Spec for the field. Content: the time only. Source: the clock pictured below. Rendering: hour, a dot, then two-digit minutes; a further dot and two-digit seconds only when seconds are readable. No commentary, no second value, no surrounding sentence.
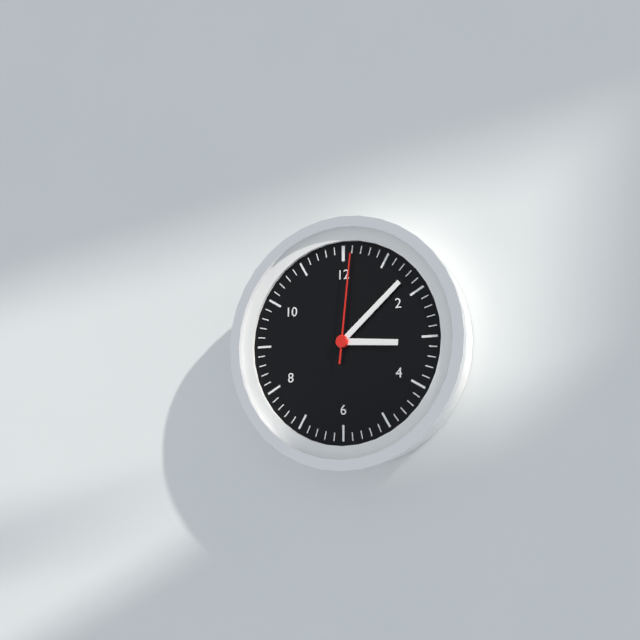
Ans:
3.08.01
